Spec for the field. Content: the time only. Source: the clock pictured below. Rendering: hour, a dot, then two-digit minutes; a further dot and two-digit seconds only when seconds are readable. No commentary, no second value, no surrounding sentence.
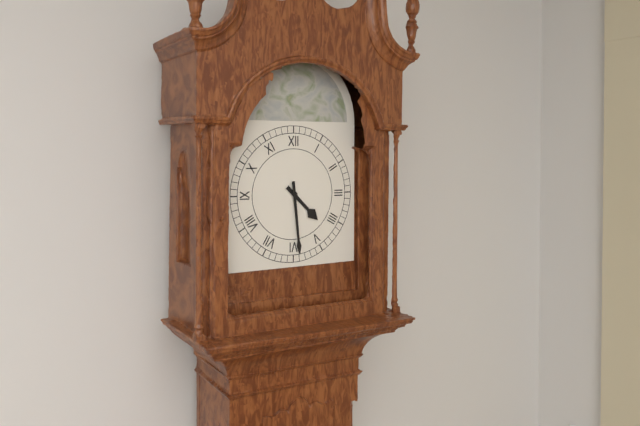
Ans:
4.29
